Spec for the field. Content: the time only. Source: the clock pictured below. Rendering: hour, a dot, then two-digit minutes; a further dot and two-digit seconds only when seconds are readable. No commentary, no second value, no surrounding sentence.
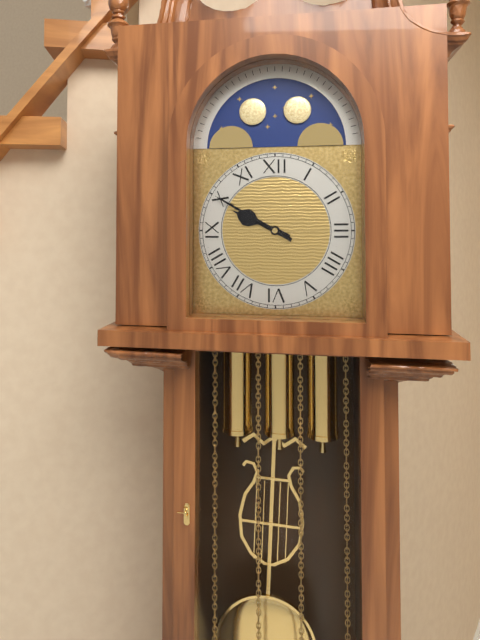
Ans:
9.50
